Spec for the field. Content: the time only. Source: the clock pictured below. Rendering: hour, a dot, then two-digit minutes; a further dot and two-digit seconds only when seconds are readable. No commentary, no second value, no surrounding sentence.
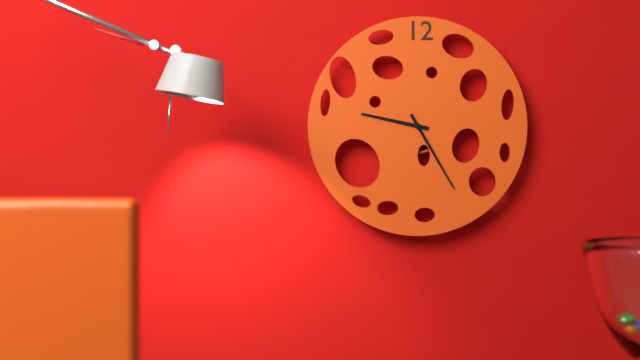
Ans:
9.25
